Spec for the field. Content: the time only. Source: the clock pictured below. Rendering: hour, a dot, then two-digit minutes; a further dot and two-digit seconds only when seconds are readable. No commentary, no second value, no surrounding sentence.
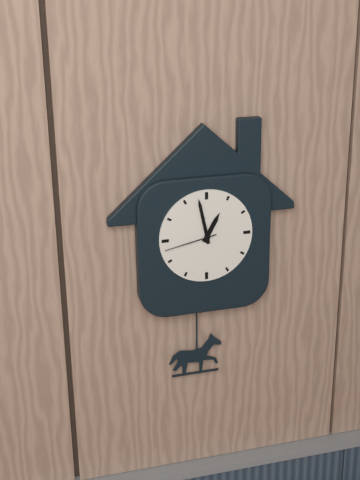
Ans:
12.58.43
